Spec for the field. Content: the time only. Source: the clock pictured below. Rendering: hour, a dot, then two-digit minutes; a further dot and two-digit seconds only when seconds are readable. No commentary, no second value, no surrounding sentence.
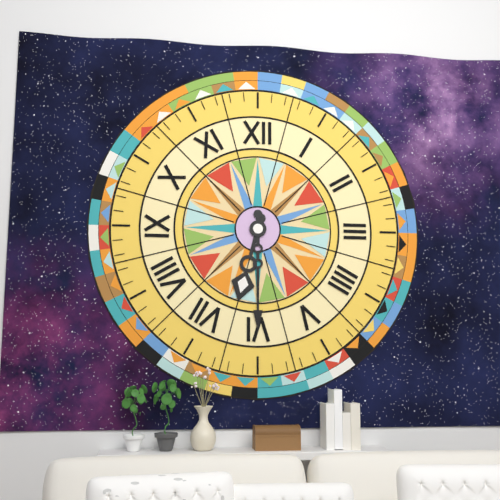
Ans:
6.30
